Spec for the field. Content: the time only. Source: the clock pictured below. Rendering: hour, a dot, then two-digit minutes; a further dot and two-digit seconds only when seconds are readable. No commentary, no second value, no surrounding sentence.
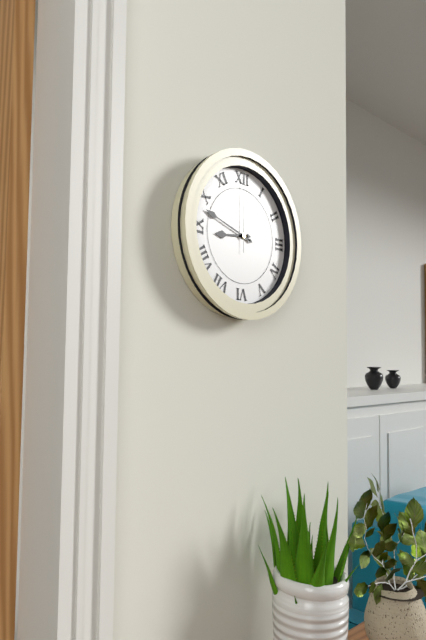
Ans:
8.48.00
